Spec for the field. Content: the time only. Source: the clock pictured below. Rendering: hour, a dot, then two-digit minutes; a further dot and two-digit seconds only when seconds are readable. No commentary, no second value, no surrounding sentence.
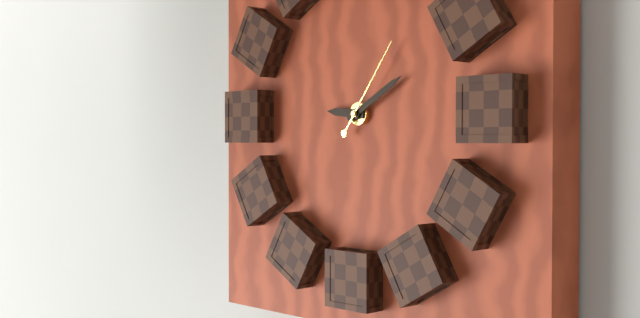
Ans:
9.10.06
